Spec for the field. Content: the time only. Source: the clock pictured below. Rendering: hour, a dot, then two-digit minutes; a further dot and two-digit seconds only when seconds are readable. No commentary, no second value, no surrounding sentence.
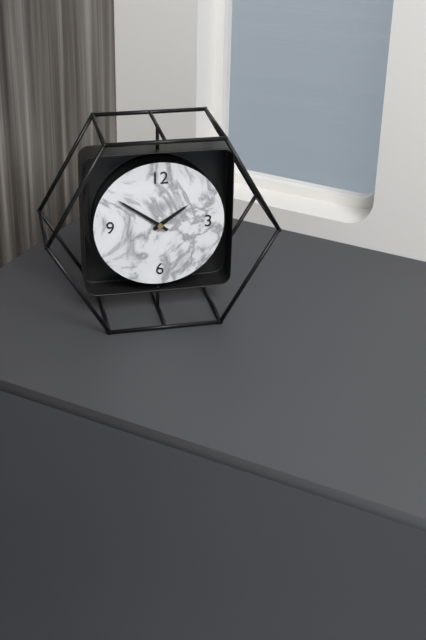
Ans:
1.51
